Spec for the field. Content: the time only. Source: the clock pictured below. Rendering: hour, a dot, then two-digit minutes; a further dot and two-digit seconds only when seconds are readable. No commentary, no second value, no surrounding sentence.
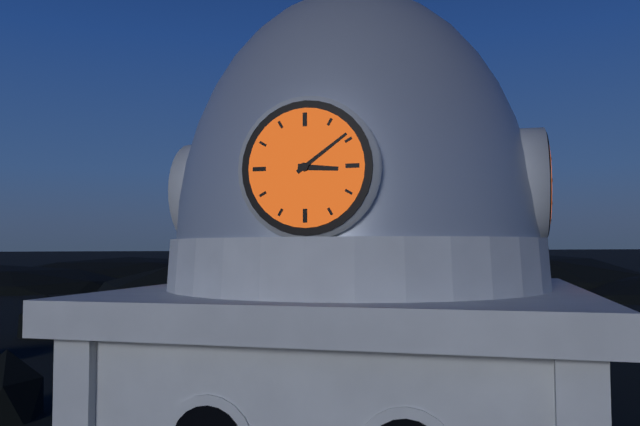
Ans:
3.09
